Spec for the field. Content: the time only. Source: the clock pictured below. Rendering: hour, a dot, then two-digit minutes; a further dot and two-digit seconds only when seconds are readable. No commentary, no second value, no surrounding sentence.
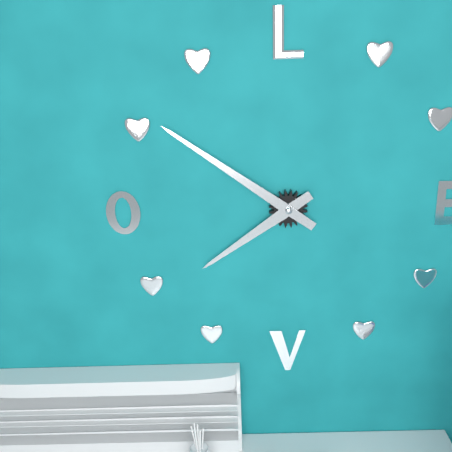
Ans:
7.51
